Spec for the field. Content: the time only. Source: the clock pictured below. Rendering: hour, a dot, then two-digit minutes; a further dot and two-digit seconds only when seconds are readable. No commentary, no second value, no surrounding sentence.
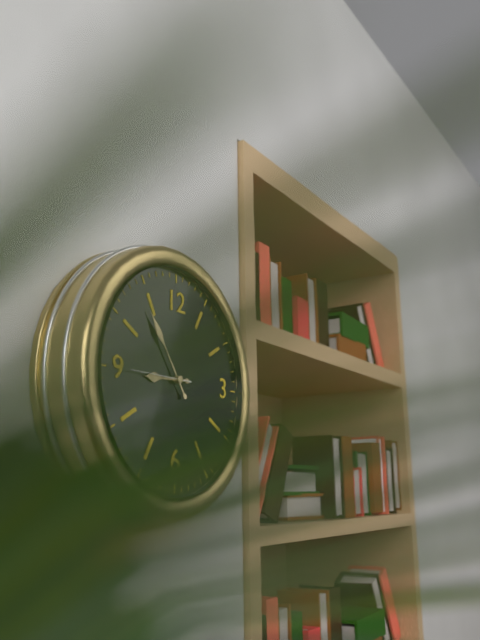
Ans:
8.54.45
